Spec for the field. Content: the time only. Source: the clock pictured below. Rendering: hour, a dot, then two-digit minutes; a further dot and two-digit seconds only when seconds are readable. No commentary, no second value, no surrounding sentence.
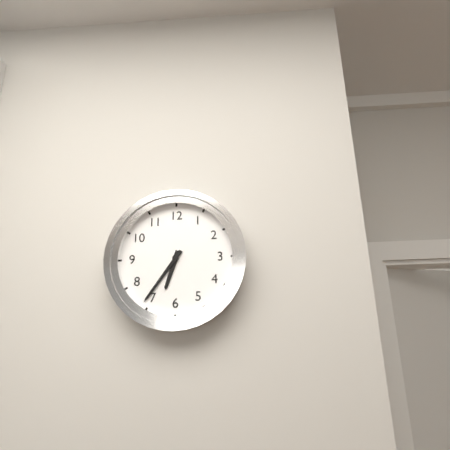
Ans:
6.36
